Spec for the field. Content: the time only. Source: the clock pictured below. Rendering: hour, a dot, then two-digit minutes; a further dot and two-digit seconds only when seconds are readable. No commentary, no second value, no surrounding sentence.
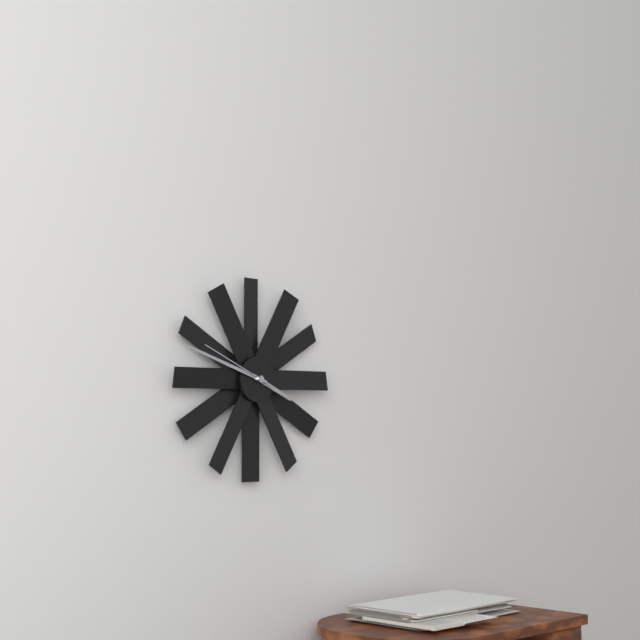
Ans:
3.48.49
